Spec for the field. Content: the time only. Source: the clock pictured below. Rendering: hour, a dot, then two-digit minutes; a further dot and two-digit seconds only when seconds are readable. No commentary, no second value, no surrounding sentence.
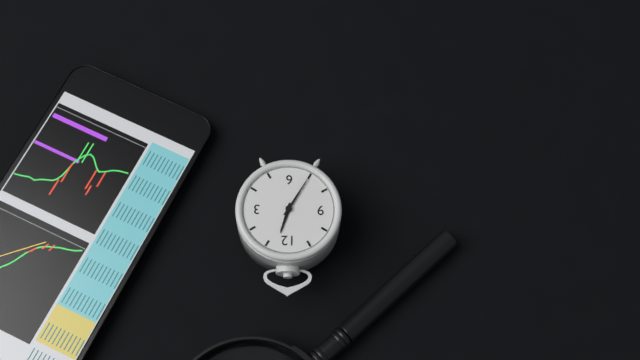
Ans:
12.35
